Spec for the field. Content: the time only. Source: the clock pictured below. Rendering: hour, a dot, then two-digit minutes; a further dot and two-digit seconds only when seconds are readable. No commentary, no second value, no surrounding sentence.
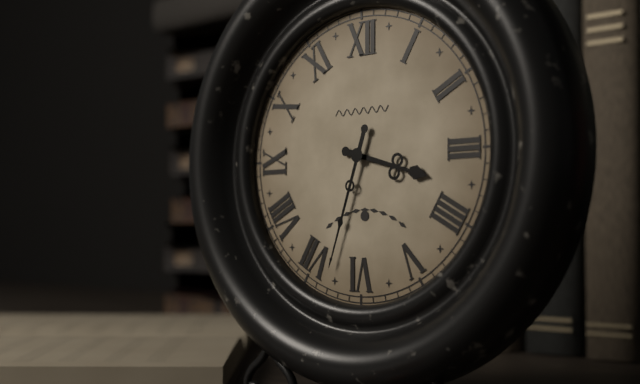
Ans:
3.33
